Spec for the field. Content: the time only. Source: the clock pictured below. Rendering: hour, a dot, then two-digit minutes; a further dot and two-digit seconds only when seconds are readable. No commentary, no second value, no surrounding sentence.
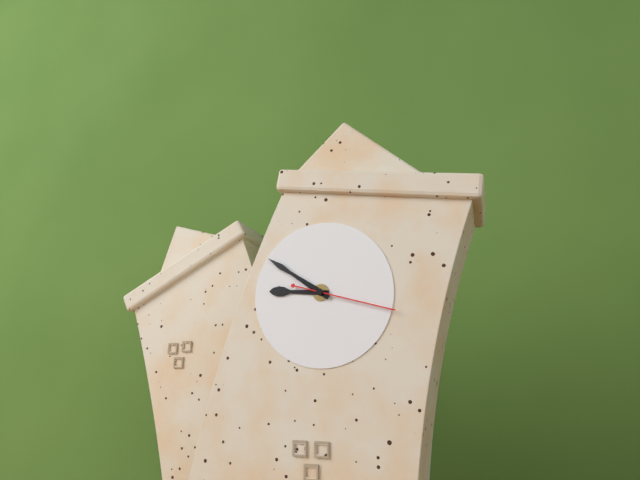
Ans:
8.49.16
